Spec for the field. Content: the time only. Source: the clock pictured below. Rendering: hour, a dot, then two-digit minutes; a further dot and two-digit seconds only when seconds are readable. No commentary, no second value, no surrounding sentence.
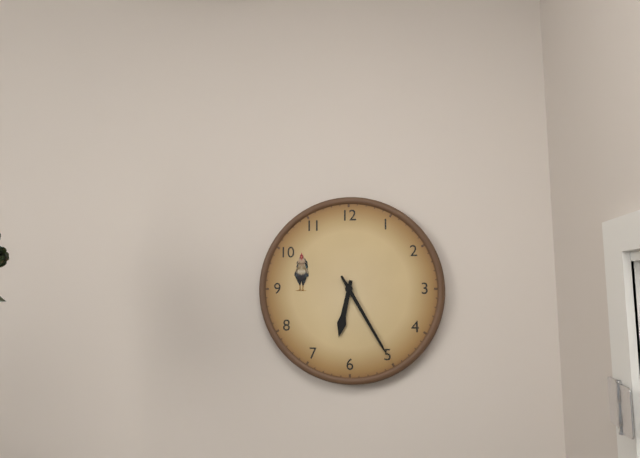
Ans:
6.25
